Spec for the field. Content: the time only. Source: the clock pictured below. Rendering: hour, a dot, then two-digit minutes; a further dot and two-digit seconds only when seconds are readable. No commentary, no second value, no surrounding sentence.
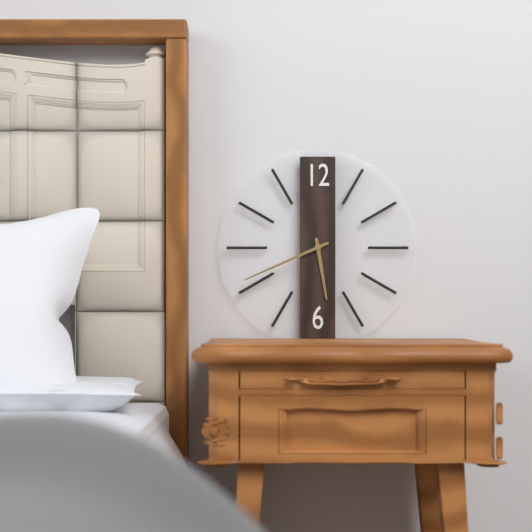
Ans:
5.41
